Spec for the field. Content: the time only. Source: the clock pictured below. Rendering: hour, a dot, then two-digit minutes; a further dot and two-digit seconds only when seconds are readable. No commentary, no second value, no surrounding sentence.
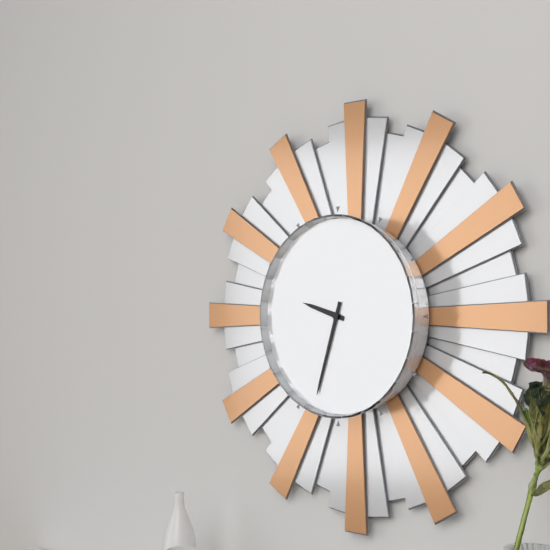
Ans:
9.33
